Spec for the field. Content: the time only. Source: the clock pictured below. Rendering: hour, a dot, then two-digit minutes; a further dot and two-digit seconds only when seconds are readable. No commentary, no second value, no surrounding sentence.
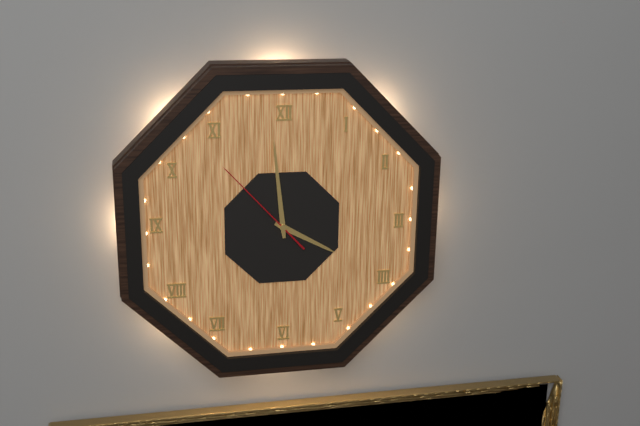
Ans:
3.59.53
